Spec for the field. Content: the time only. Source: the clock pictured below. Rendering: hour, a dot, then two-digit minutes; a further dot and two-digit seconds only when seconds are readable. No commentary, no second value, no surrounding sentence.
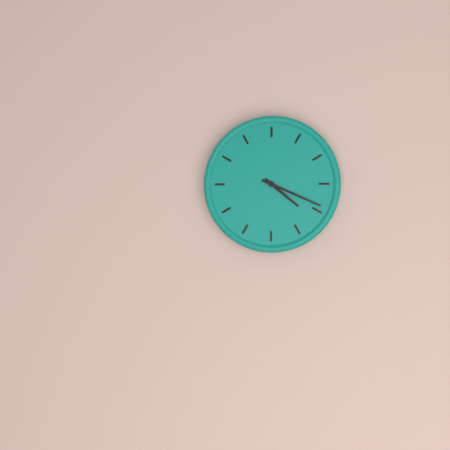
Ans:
4.19
